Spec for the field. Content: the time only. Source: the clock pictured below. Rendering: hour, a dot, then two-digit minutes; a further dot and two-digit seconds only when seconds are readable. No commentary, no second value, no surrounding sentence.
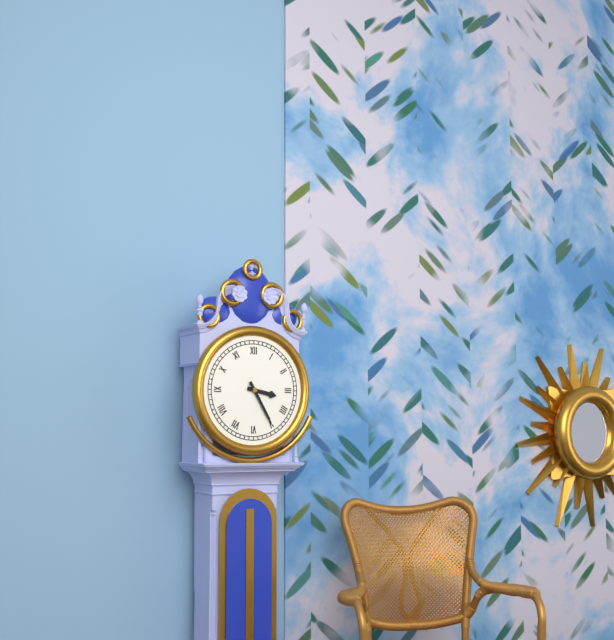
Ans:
3.25
